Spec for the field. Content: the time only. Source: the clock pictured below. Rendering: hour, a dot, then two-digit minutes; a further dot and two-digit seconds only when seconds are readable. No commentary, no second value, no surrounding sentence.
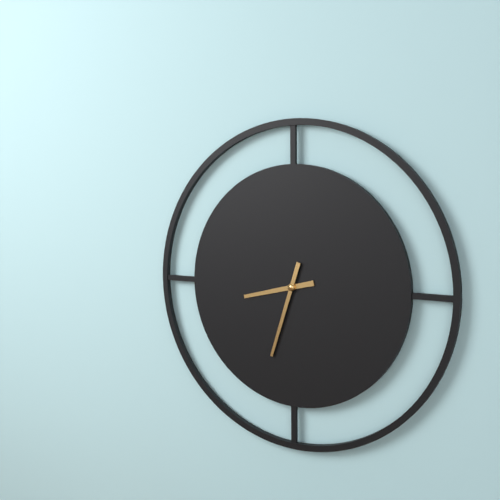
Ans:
8.33
